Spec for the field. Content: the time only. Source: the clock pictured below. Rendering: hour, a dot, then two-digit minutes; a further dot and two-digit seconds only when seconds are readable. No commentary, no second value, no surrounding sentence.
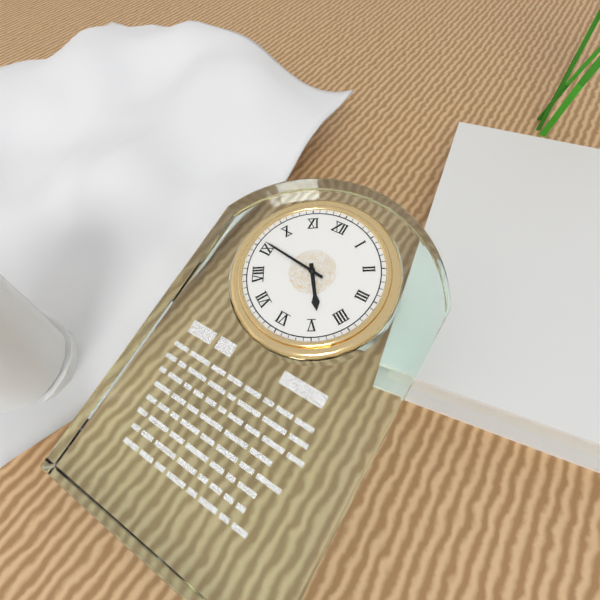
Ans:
4.46
